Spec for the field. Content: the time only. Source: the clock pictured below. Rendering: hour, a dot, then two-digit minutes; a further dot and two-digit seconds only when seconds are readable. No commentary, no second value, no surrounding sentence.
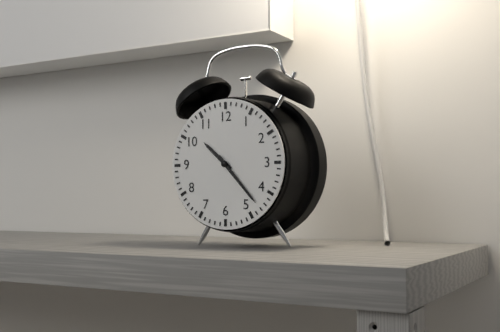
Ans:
10.23
